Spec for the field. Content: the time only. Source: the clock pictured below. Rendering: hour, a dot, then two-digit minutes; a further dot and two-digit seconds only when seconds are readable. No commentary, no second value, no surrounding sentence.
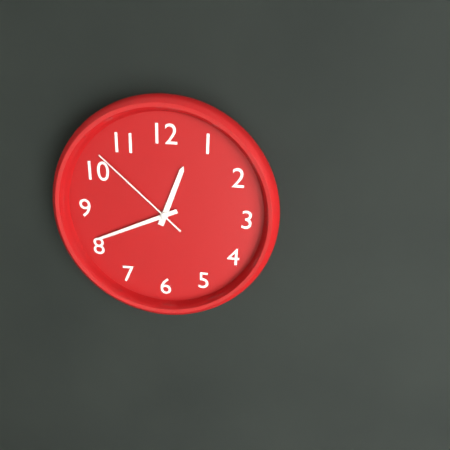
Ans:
12.41.52
